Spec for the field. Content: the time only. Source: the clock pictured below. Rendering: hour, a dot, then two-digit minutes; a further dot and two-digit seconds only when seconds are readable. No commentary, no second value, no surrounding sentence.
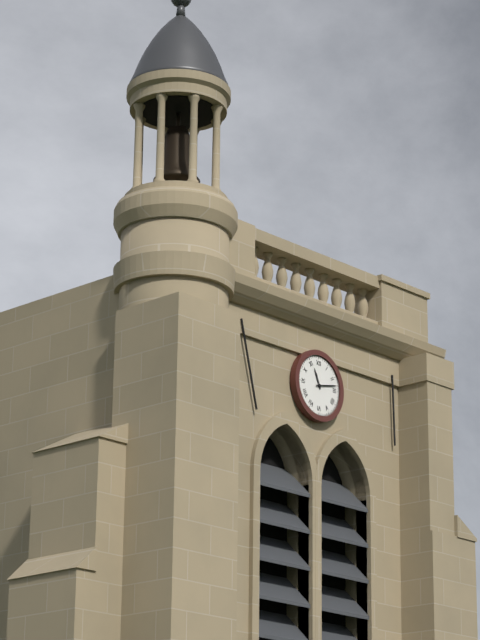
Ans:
11.13
